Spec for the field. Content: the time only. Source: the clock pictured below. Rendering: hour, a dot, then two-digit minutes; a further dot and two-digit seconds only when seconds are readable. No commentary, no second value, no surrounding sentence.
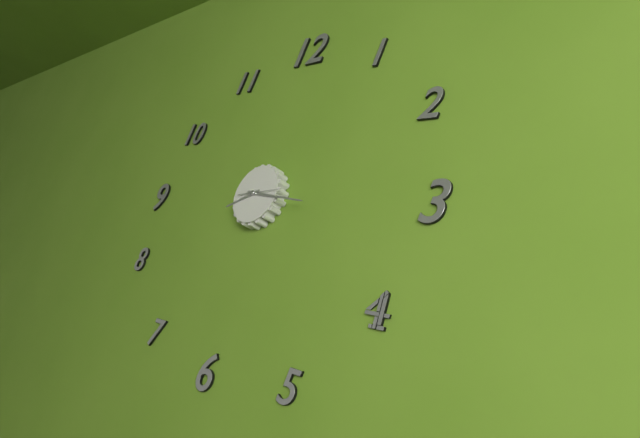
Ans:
8.16
